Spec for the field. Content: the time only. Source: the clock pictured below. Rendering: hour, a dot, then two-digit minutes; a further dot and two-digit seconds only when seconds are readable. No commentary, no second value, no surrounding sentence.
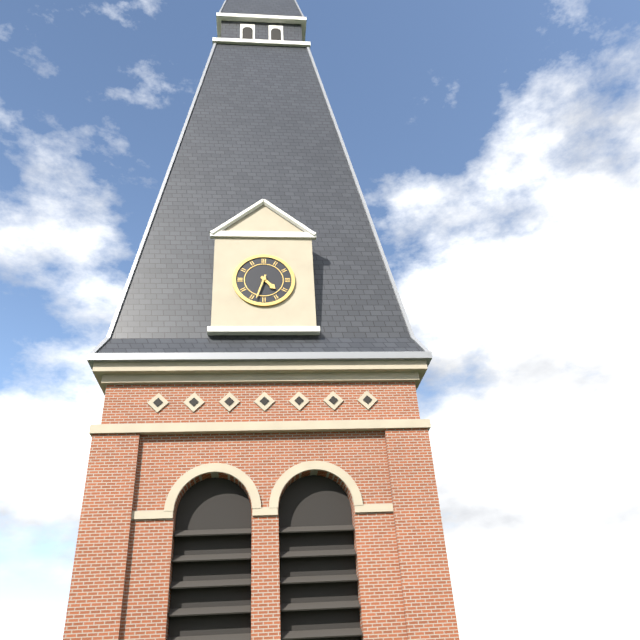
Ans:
4.33
